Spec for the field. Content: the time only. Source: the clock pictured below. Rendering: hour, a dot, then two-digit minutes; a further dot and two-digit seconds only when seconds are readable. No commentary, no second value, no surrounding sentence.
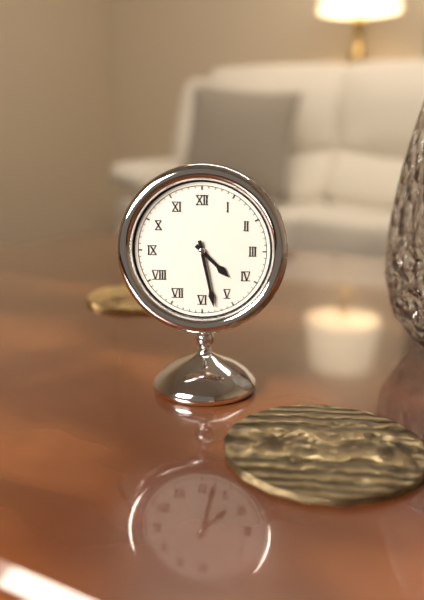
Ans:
4.28
